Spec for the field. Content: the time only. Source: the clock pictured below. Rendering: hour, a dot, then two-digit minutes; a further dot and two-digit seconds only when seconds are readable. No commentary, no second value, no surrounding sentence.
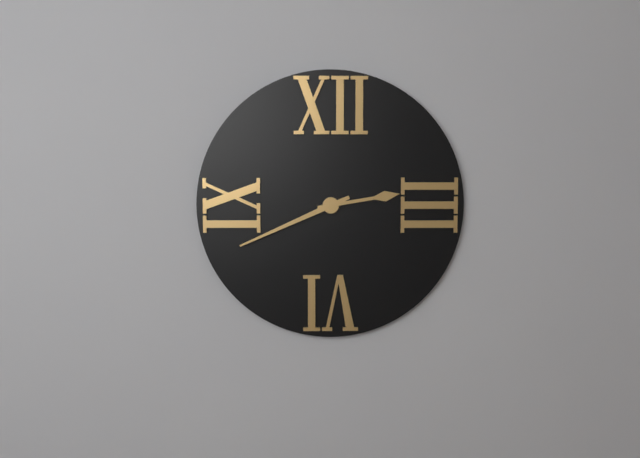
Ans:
2.41
